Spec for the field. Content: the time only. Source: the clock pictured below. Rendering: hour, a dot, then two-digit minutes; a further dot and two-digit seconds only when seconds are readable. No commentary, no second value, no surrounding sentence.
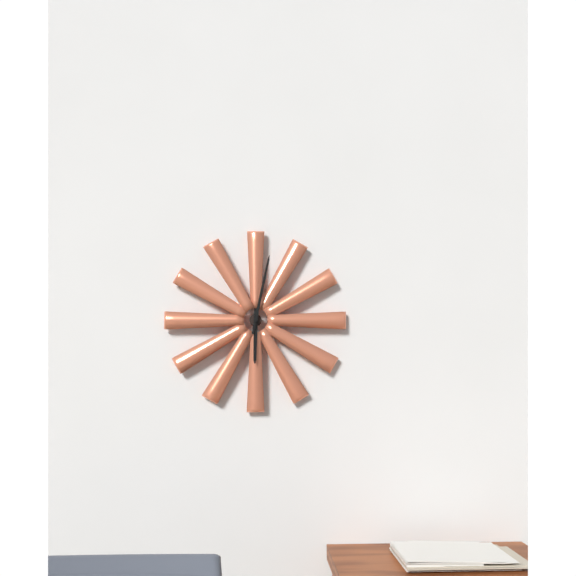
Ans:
6.02
